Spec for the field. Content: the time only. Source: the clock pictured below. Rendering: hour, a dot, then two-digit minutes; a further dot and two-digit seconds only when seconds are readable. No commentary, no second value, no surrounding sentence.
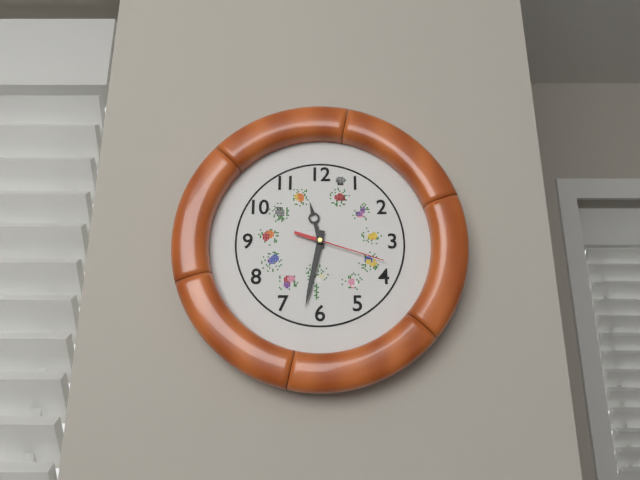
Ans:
11.32.18
